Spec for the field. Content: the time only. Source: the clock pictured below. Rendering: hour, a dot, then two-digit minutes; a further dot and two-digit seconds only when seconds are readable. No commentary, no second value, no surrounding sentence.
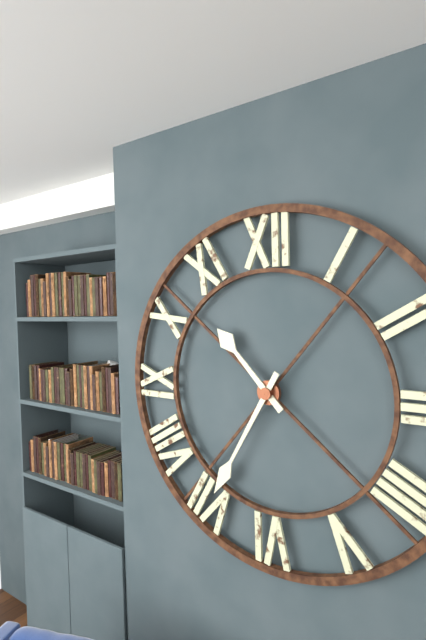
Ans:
10.35
